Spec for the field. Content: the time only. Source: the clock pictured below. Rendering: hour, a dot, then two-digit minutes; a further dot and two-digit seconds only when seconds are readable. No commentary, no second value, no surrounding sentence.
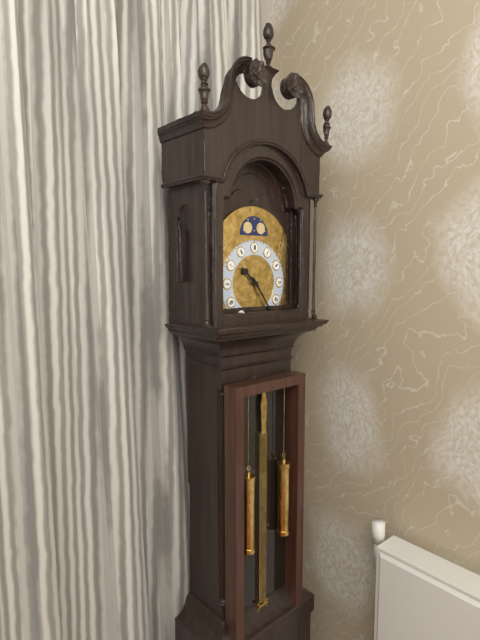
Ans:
10.24
